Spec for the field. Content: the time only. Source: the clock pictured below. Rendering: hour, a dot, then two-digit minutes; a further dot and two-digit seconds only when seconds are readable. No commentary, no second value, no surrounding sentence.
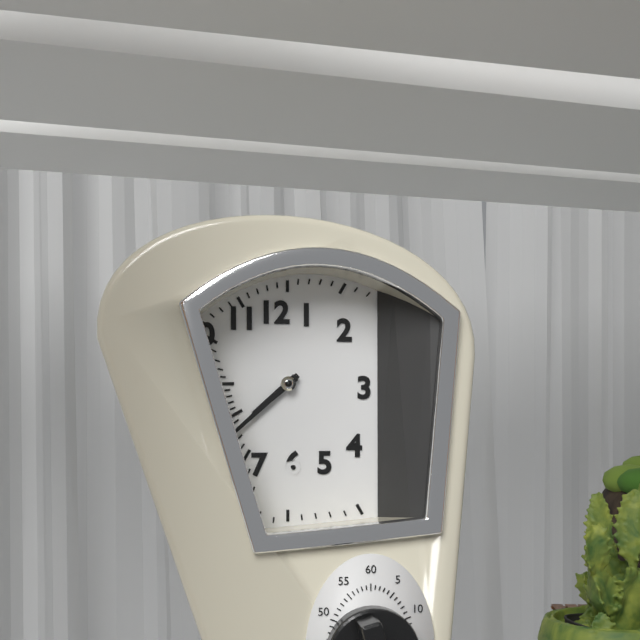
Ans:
7.38
